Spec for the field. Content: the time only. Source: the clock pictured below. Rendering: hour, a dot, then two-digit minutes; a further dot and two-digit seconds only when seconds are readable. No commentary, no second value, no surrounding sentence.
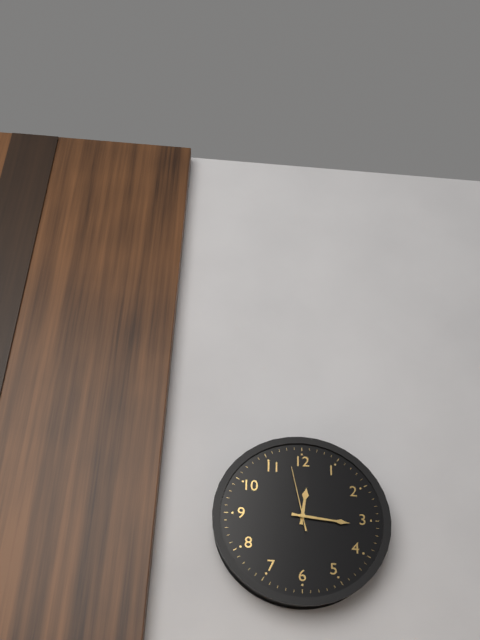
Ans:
12.16.58
